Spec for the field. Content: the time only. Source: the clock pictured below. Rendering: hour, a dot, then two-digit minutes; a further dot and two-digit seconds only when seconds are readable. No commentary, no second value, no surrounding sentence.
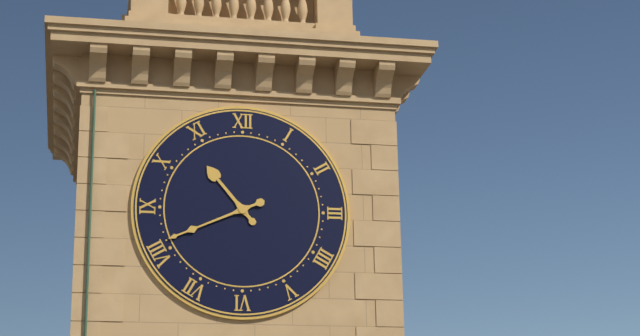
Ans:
10.41
